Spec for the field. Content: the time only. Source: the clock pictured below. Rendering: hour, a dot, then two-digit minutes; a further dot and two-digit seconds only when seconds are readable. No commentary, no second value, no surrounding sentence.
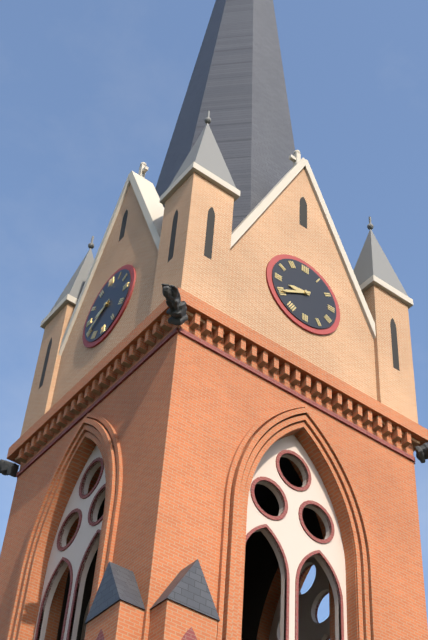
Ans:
8.40
